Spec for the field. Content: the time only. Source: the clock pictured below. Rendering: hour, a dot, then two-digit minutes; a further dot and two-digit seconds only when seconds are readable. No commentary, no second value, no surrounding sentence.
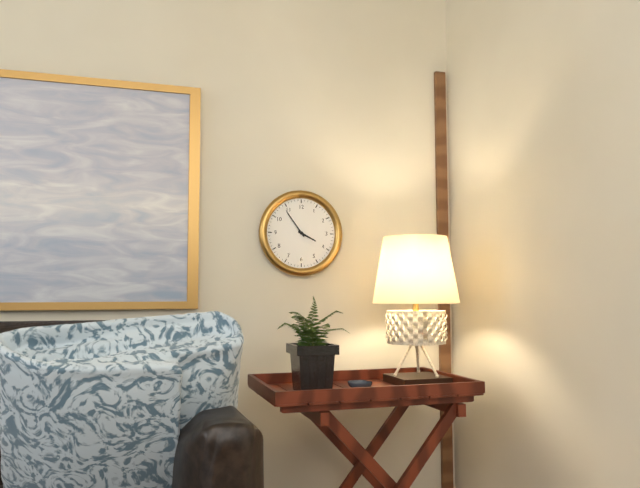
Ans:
3.54
